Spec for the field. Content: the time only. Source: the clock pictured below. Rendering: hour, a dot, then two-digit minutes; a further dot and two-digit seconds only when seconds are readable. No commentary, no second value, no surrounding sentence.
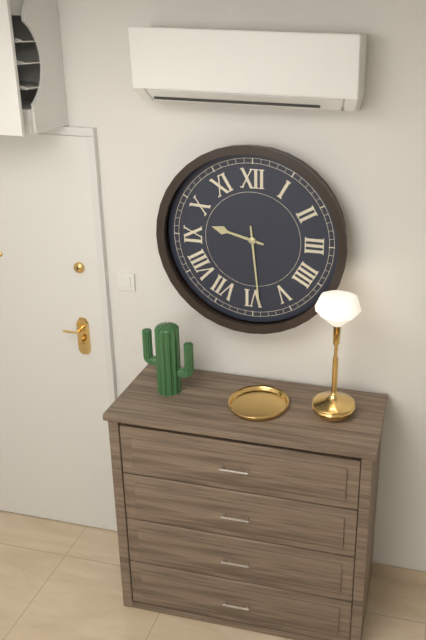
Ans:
9.29
